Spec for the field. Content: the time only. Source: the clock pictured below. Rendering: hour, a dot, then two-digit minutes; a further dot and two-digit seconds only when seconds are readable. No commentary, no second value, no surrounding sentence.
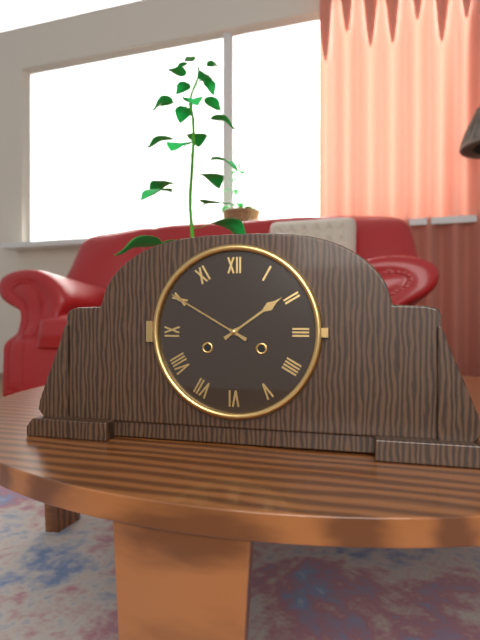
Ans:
1.50
